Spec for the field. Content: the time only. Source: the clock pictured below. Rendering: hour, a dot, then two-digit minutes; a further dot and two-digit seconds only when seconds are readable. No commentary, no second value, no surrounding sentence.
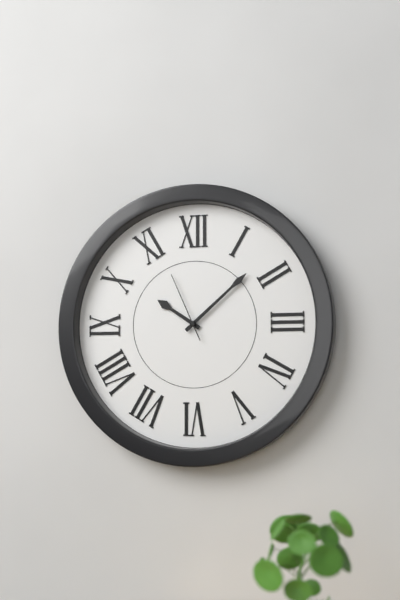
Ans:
10.08.56
